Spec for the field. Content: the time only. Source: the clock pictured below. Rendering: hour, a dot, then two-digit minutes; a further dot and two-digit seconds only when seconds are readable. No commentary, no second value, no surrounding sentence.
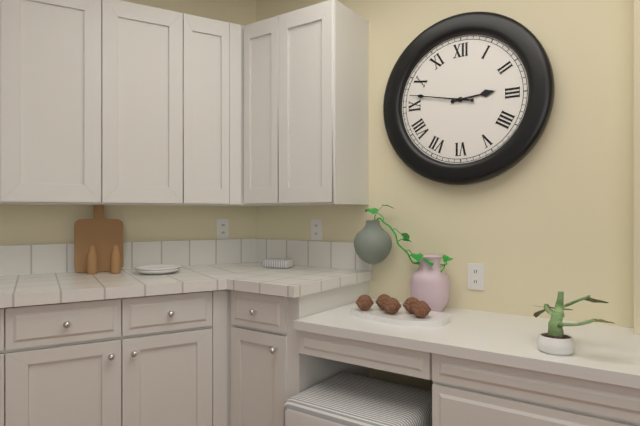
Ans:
2.47
